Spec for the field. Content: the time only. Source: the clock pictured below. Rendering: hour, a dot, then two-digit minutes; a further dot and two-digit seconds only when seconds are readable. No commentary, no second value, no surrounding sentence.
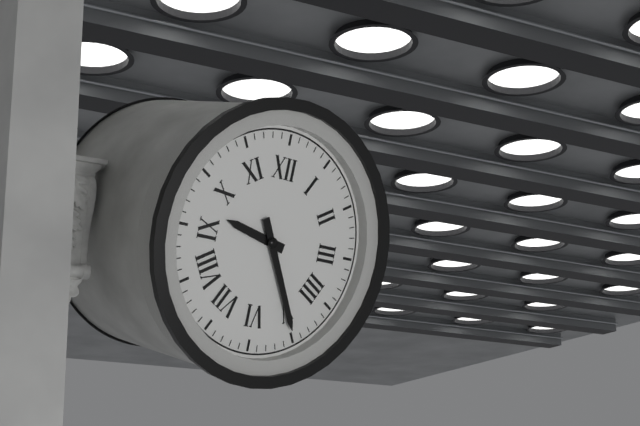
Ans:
9.25
